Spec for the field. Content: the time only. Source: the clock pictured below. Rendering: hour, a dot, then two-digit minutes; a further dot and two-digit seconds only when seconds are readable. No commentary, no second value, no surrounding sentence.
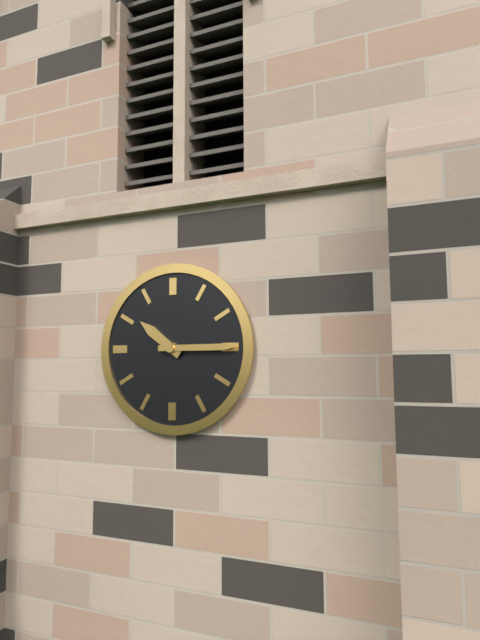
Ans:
10.15
